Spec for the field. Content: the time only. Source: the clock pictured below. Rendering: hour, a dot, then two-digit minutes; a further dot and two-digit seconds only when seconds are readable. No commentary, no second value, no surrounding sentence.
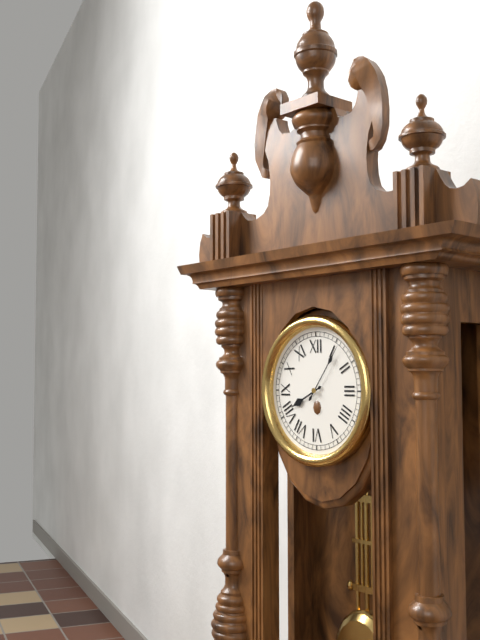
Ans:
8.06
